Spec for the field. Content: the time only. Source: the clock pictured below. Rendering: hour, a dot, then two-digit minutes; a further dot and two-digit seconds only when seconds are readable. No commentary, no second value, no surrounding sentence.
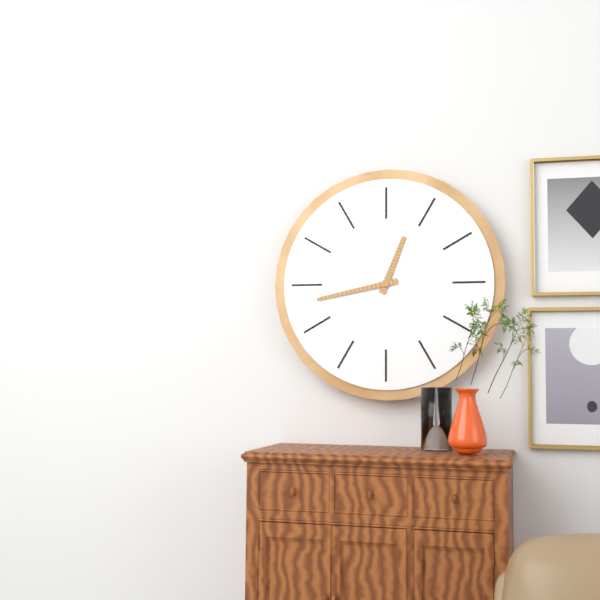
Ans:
12.43
